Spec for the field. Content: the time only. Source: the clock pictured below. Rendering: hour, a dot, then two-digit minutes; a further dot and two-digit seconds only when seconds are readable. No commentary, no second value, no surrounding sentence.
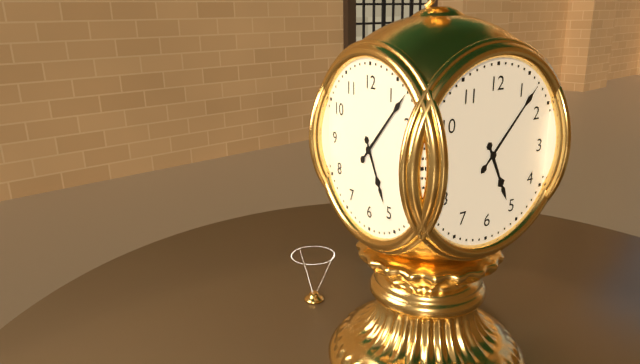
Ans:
5.07
